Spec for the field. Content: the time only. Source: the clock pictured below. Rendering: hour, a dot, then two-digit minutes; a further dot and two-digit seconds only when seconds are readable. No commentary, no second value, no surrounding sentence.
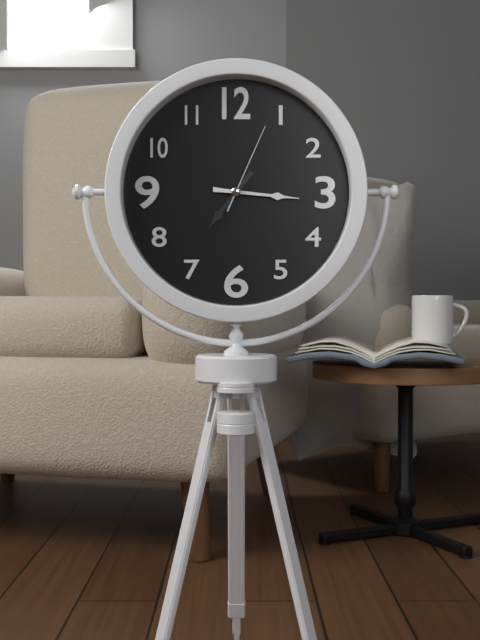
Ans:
7.16.04
